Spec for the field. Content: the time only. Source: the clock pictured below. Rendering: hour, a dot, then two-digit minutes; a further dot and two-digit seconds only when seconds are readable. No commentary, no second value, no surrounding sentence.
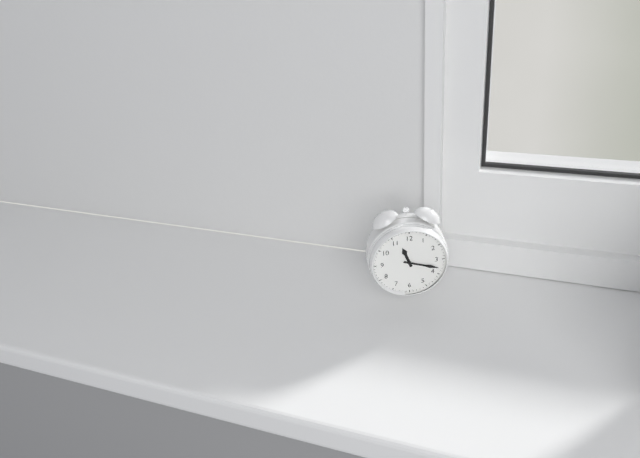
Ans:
11.18
